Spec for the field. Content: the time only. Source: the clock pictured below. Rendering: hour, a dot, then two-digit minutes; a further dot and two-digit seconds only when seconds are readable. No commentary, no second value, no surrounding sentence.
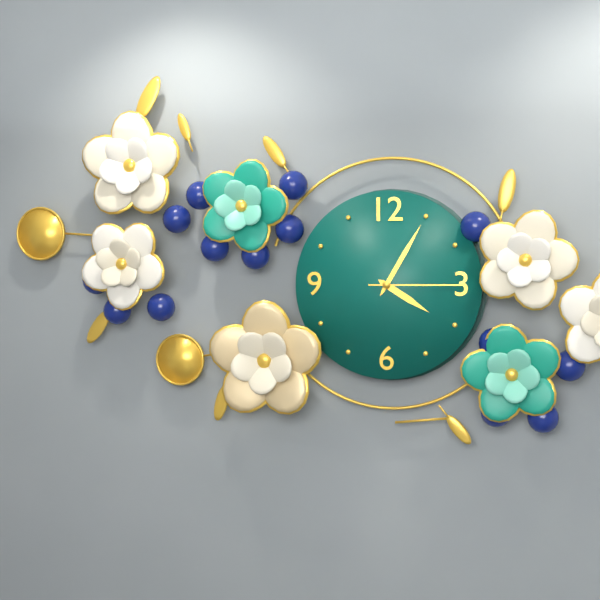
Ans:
4.05.15
